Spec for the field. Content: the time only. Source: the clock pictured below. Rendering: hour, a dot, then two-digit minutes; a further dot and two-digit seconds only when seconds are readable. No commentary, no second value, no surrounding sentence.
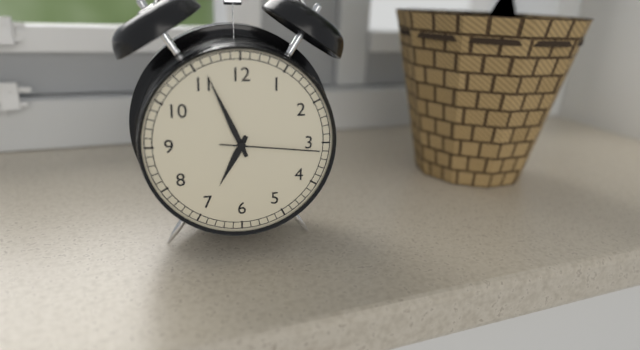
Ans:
6.56.16
